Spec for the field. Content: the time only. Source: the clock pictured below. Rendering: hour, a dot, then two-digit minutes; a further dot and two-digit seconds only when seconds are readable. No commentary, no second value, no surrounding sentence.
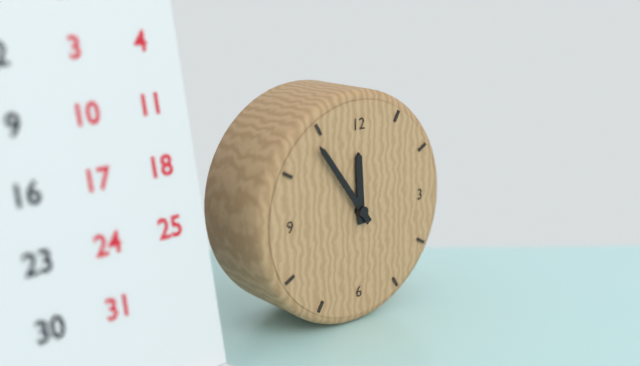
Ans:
11.54
